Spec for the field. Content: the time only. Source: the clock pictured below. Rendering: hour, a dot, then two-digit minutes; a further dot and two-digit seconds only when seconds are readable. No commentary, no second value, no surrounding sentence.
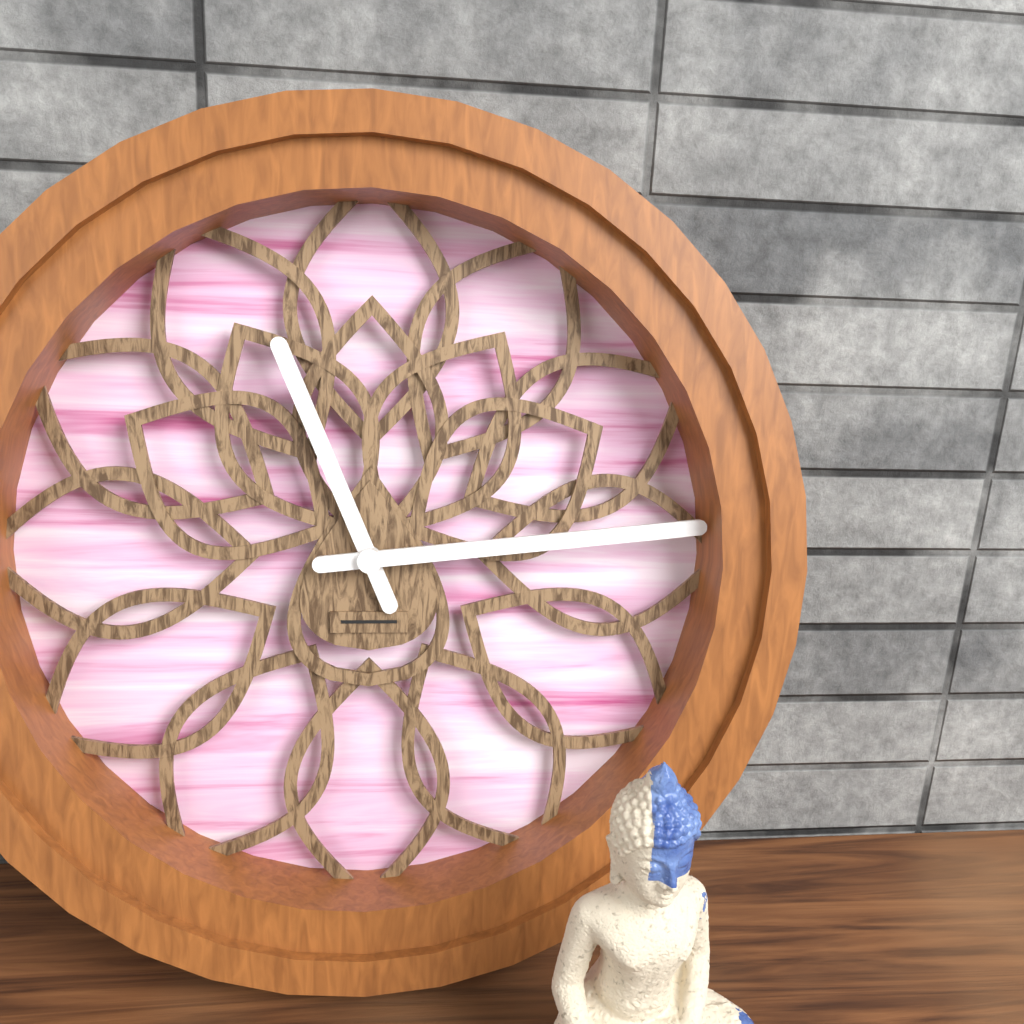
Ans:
11.14
